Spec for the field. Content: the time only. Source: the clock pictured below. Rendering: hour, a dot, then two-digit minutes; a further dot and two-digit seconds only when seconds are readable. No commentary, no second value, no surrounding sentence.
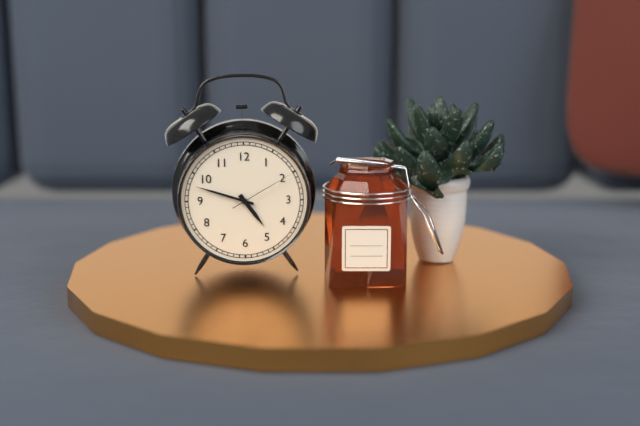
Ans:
4.48.10
